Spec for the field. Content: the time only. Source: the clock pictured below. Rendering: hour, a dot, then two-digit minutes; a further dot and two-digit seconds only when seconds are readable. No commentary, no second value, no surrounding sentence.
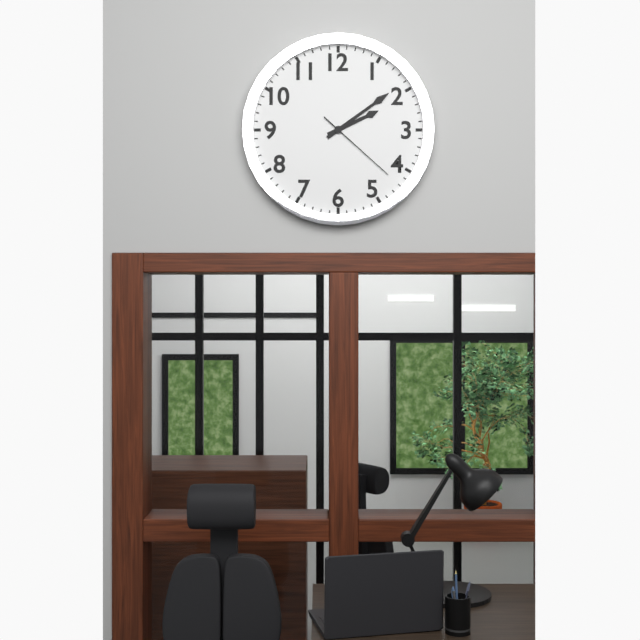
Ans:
2.09.22
